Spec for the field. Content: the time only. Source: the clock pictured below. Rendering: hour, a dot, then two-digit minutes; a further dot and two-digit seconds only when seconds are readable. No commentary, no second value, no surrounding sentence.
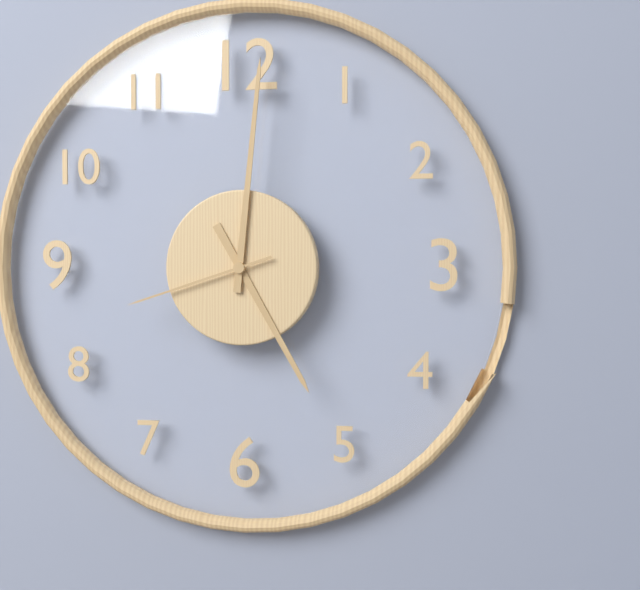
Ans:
5.01.42
